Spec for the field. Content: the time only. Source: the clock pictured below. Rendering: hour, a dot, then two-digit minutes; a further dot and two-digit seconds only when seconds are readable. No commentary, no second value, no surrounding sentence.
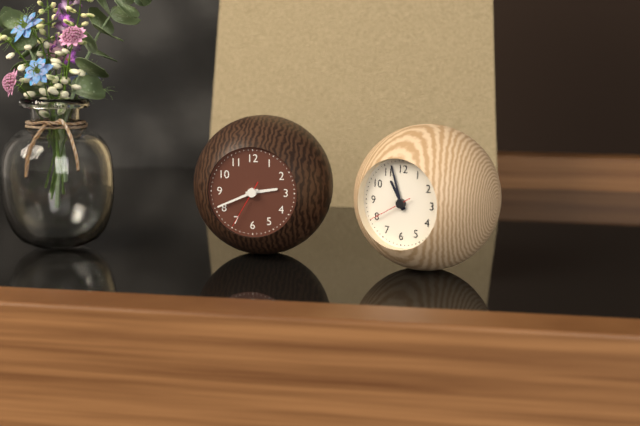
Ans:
2.41
